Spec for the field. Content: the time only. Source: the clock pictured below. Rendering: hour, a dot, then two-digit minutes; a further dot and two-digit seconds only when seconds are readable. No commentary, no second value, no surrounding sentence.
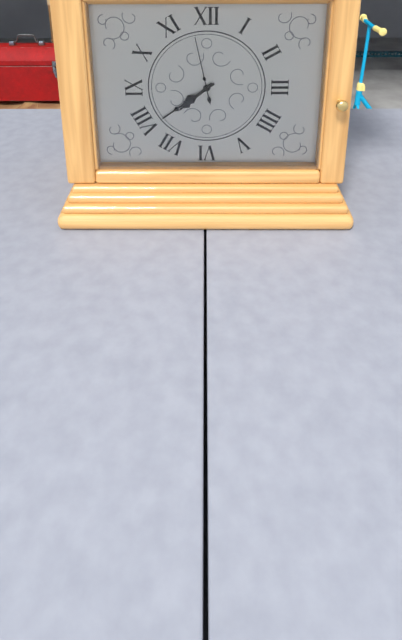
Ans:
7.39.58
